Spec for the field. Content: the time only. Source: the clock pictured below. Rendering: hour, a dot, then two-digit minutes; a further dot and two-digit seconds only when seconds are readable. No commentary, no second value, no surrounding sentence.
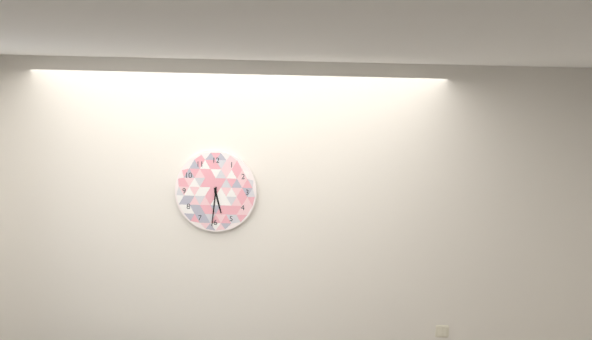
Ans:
5.31
